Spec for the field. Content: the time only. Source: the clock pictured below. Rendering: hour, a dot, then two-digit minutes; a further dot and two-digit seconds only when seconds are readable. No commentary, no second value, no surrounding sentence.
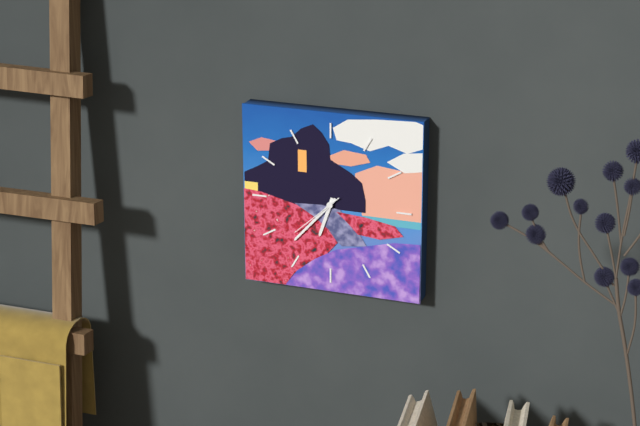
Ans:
6.37.38
